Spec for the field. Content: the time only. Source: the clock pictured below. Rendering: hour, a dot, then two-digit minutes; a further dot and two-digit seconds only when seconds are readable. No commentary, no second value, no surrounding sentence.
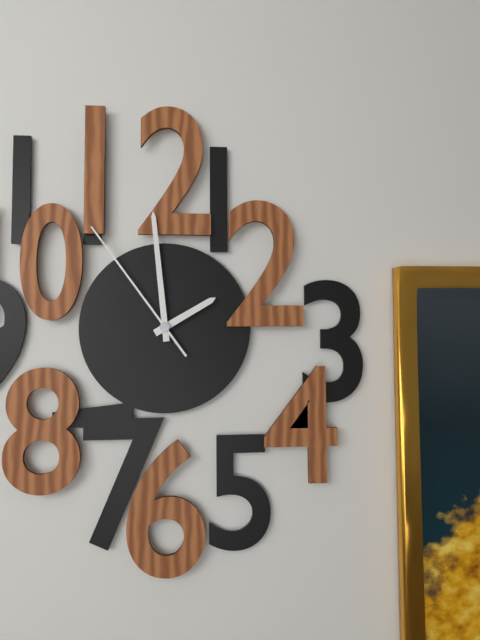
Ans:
1.59.54
